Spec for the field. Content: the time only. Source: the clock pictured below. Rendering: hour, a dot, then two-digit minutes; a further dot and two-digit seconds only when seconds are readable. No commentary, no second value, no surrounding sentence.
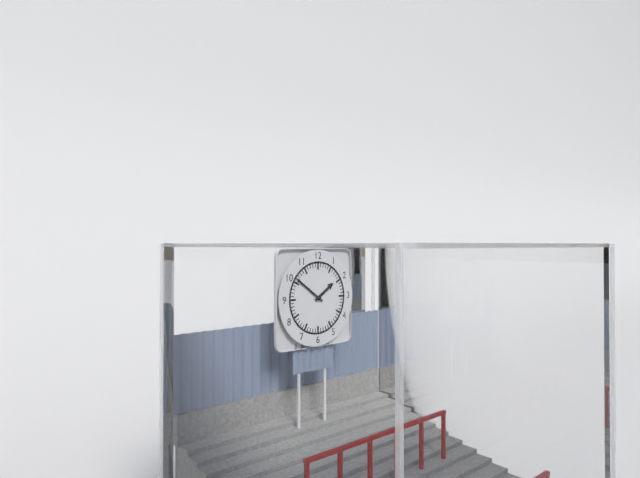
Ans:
1.51
